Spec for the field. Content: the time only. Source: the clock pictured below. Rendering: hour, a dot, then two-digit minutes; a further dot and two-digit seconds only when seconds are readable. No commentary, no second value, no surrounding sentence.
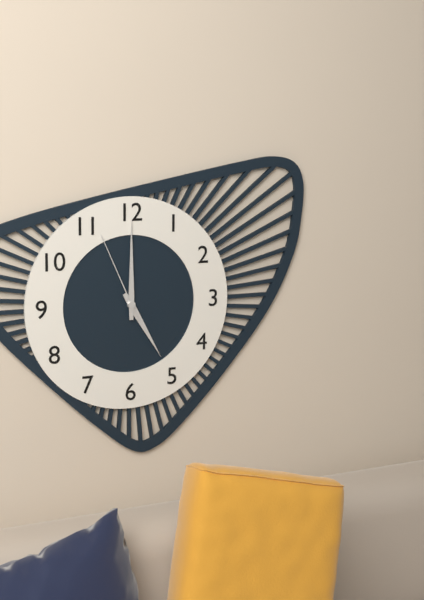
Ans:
5.00.56
